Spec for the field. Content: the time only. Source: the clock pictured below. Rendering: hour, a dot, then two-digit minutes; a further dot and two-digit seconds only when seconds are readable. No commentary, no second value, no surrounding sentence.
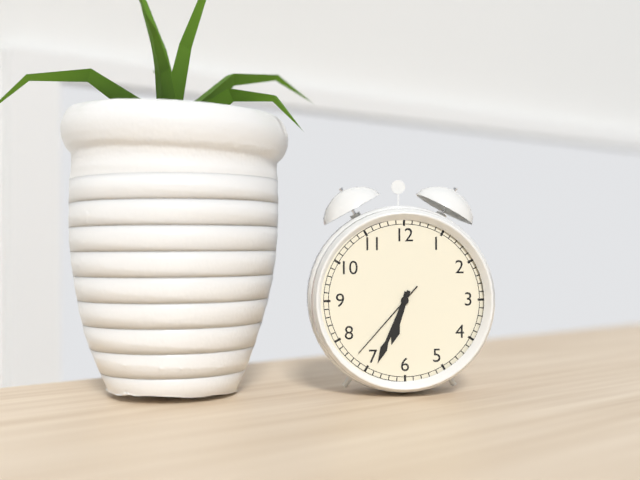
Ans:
6.34.37
